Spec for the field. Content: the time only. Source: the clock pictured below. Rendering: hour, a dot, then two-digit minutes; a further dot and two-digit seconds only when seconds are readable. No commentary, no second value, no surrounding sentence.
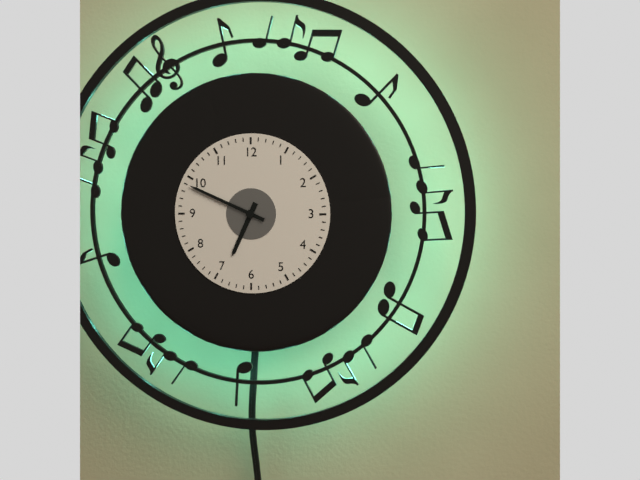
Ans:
6.49
